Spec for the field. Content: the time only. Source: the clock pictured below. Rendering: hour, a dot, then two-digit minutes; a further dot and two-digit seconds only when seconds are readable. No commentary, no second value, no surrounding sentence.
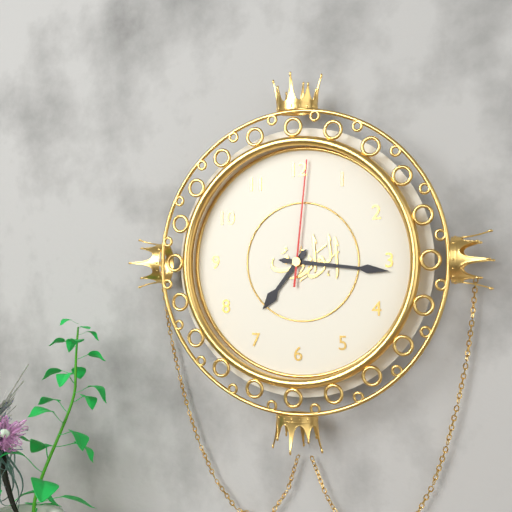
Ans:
7.16.01
